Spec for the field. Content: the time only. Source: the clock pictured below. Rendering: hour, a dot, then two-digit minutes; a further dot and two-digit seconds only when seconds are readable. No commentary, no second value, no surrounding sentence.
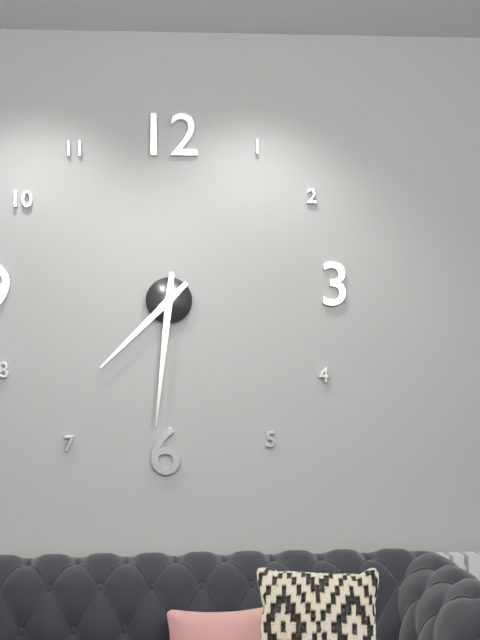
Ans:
7.31
